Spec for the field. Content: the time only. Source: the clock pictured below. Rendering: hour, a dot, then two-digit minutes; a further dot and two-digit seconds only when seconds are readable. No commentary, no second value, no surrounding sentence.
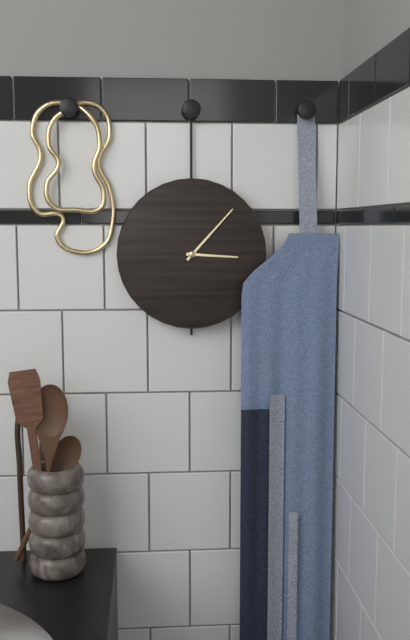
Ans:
3.07
